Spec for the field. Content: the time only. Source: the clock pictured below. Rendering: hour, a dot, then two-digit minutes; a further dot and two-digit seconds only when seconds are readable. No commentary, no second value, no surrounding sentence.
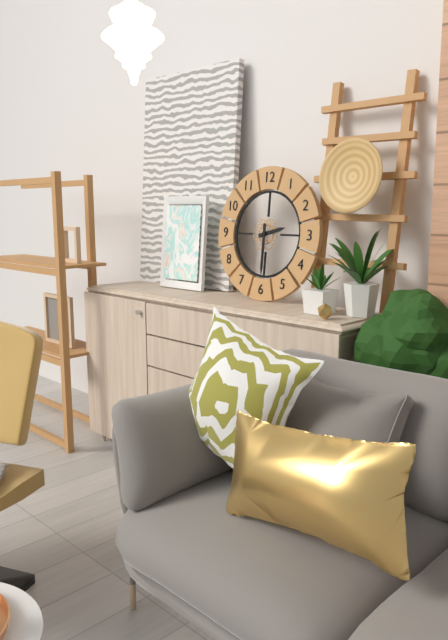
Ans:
2.30
